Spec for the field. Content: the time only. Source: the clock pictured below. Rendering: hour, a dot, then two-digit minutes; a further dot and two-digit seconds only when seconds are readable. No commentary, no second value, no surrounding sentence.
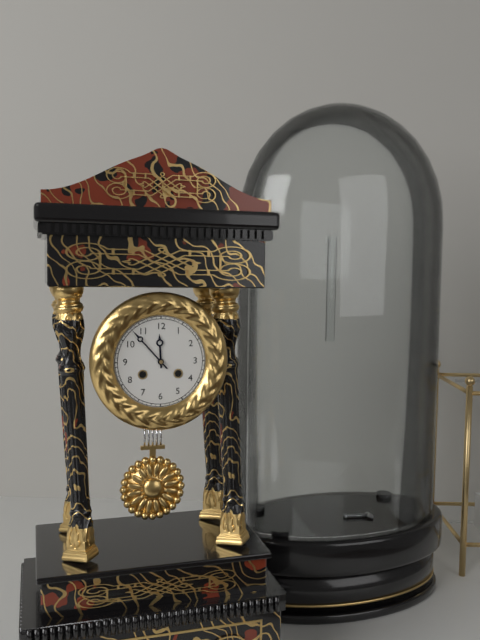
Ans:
11.53
